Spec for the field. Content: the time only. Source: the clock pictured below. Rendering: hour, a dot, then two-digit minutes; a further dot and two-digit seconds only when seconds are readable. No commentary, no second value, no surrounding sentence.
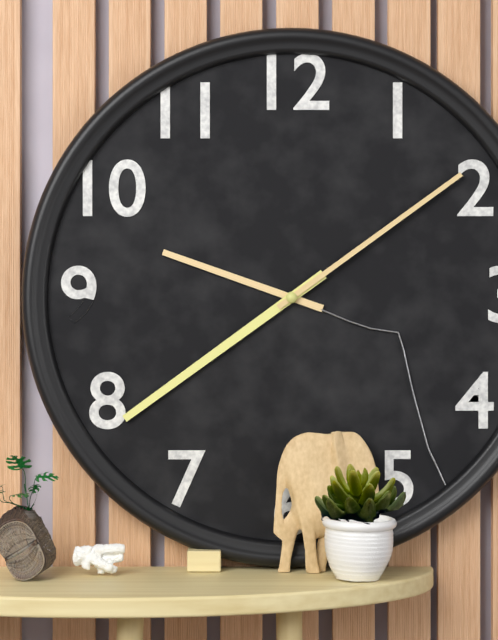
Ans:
9.39.09
